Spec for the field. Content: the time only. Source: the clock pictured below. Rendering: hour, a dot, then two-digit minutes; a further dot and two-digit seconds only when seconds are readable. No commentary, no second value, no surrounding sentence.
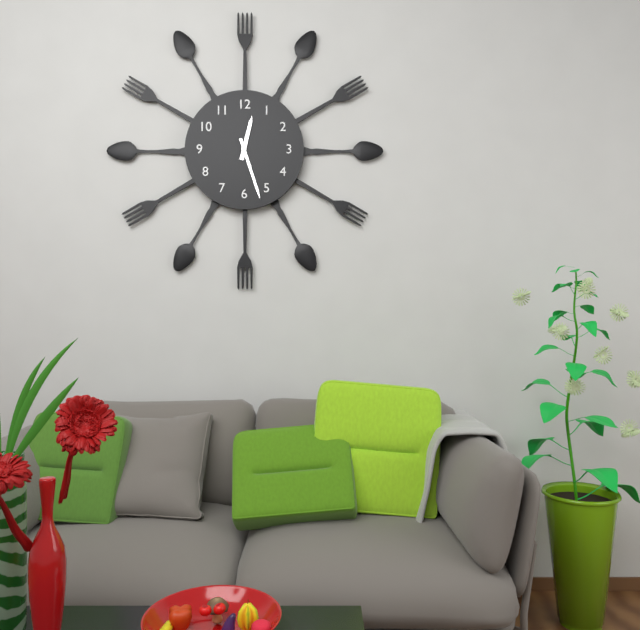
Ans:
12.27
